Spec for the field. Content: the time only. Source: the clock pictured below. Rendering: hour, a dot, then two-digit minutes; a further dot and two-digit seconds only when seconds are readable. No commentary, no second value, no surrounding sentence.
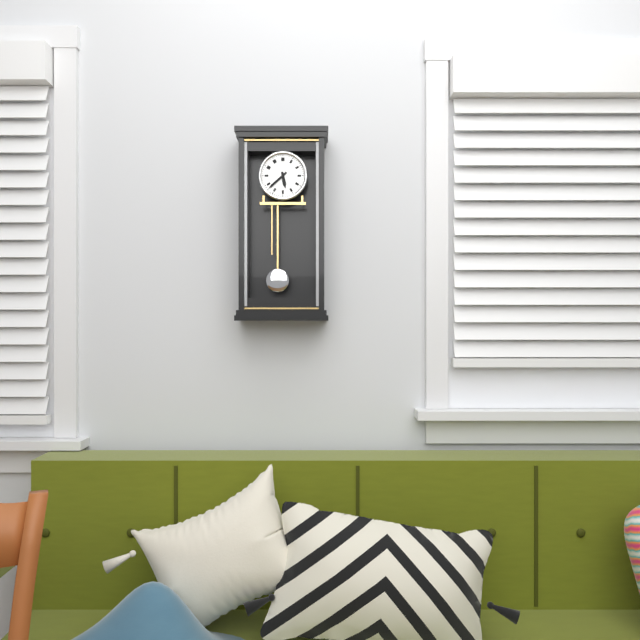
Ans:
5.38
